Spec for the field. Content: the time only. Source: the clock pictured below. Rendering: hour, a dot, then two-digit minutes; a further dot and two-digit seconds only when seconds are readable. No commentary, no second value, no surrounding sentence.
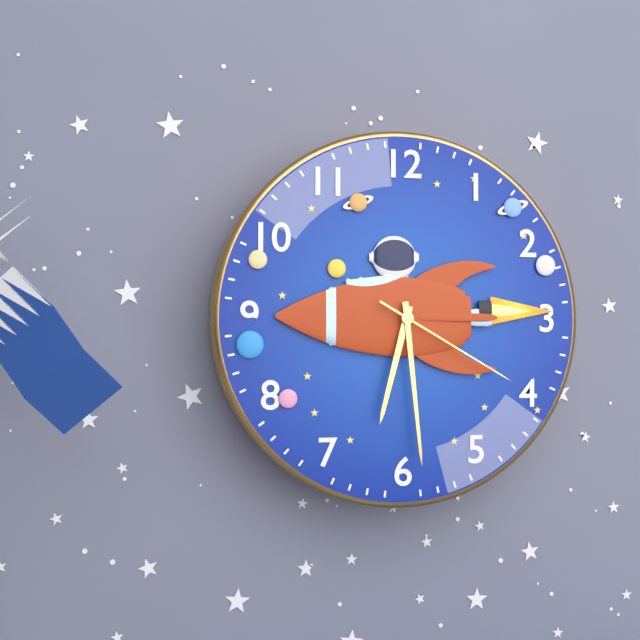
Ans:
6.29.20
